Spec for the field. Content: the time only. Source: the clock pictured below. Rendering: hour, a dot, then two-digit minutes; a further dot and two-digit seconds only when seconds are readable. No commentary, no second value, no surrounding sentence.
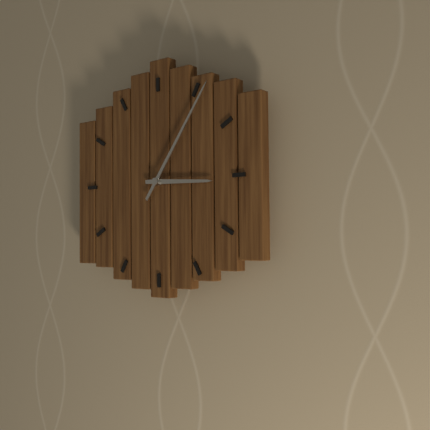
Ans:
3.06
